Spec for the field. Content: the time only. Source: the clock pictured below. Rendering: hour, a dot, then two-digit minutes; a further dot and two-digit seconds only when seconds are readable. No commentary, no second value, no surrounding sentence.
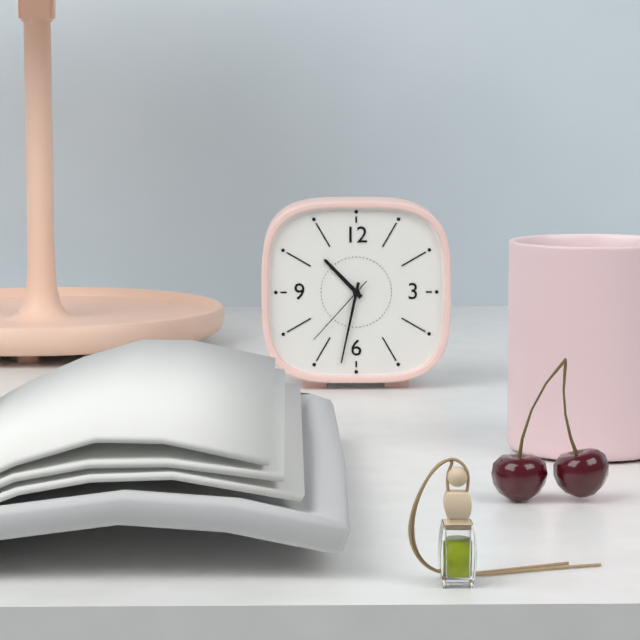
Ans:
10.32.37
